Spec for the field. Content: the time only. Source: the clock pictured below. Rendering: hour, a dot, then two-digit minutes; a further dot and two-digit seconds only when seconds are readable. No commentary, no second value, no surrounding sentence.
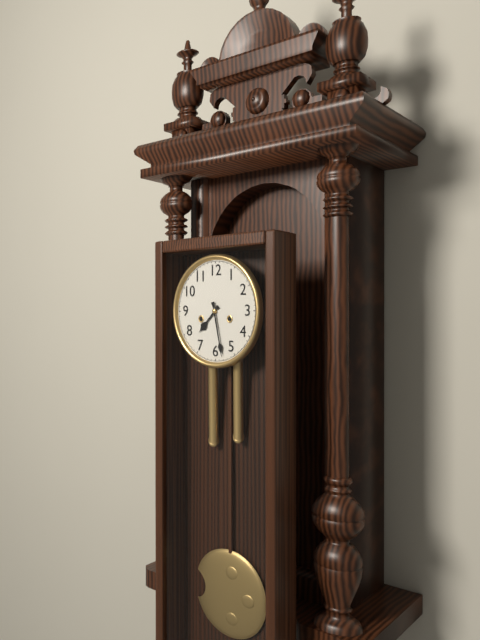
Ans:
7.28
